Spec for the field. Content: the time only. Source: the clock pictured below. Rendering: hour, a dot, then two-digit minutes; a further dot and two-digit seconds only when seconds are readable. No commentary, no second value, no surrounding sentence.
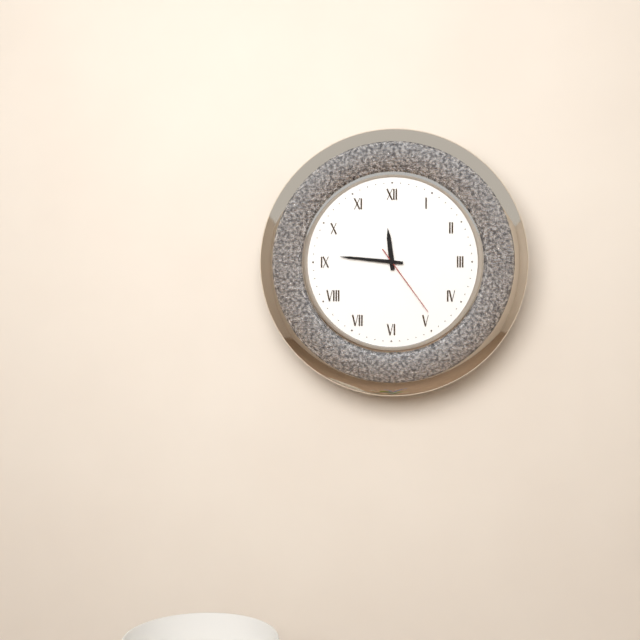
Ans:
11.46.24
